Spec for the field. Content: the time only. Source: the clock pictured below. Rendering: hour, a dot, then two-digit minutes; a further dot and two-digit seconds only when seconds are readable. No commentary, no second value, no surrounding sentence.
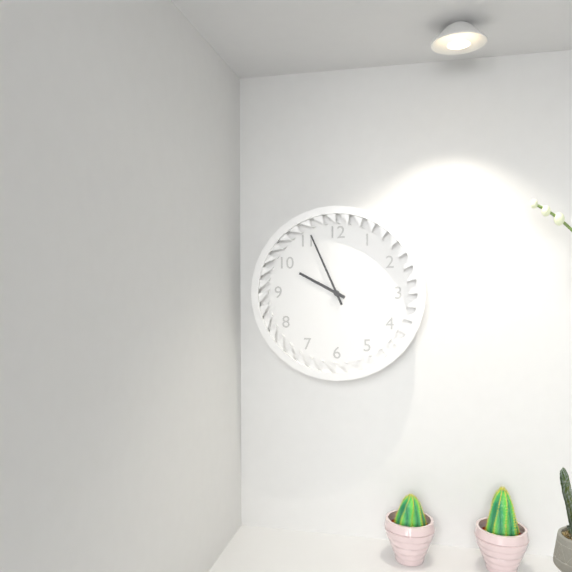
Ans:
9.56
